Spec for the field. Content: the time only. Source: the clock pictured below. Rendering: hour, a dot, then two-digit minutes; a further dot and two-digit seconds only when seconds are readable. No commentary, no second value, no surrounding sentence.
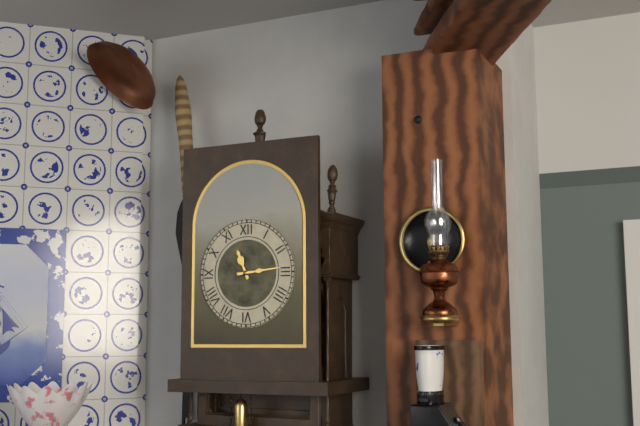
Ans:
11.14
